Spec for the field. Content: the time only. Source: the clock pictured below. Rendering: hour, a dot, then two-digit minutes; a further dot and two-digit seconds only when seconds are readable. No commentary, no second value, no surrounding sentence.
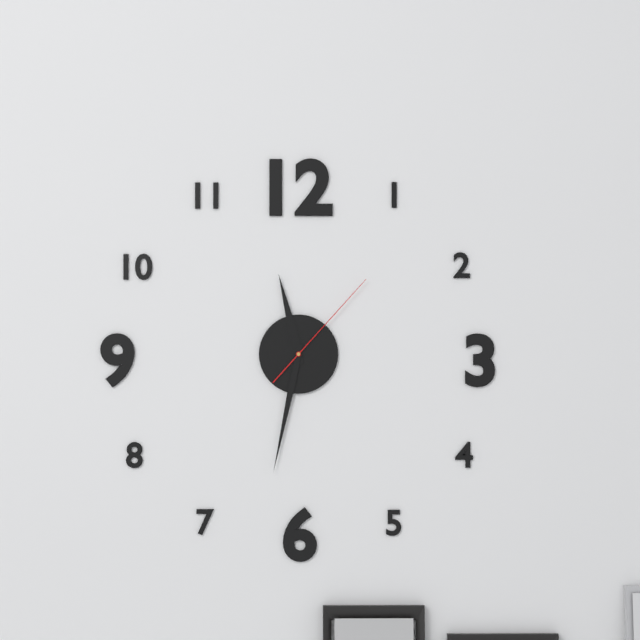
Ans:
11.32.07
